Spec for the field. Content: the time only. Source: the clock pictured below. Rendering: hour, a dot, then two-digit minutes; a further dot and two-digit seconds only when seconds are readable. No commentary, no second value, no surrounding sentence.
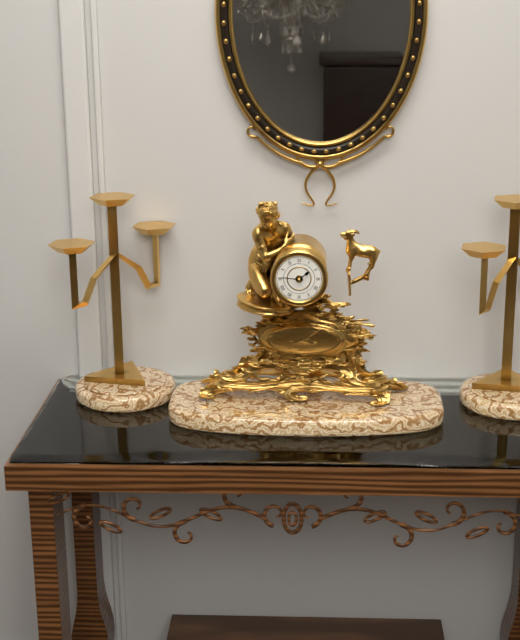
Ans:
1.46
